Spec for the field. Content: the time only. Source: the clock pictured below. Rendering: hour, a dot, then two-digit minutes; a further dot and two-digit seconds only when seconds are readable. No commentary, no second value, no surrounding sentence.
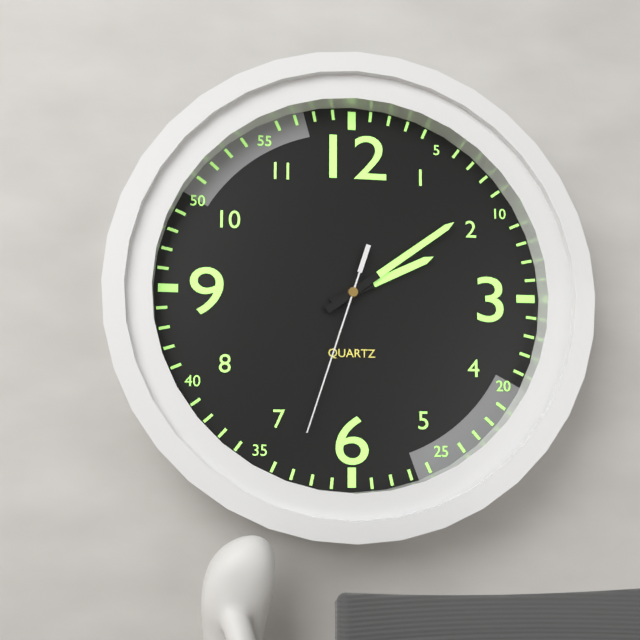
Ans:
2.09.33
